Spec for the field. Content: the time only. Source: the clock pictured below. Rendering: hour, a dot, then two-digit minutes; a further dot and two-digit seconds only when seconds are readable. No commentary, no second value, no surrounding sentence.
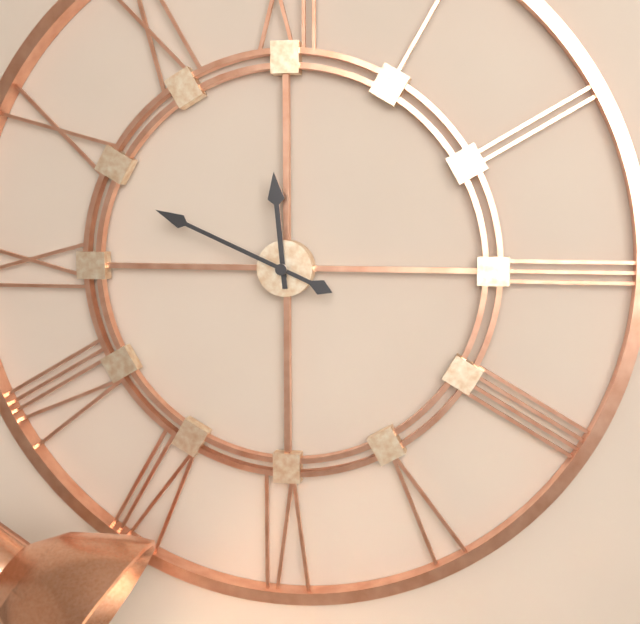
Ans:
11.49
